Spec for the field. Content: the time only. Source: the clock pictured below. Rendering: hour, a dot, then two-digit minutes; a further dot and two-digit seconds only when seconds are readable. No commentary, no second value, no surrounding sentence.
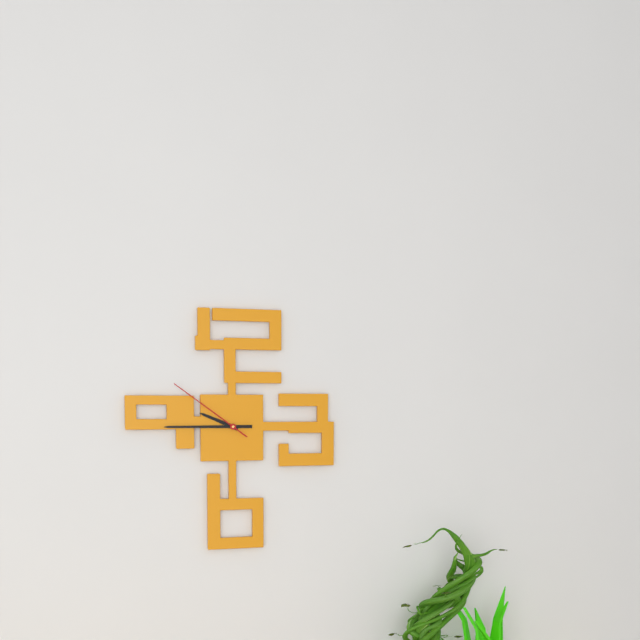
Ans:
9.45.51
